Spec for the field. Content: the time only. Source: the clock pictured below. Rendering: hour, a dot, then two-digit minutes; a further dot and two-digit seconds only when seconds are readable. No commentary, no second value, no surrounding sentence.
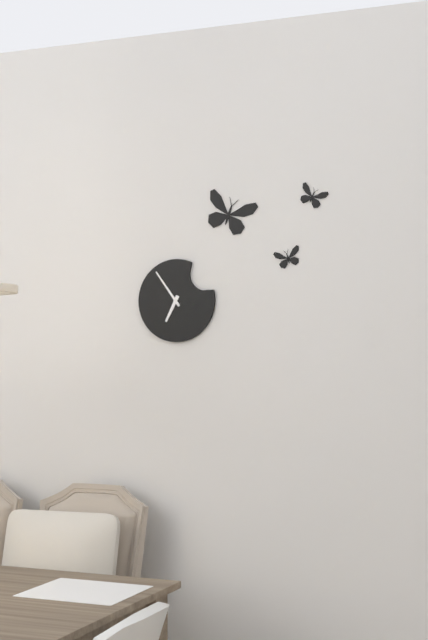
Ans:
6.54
